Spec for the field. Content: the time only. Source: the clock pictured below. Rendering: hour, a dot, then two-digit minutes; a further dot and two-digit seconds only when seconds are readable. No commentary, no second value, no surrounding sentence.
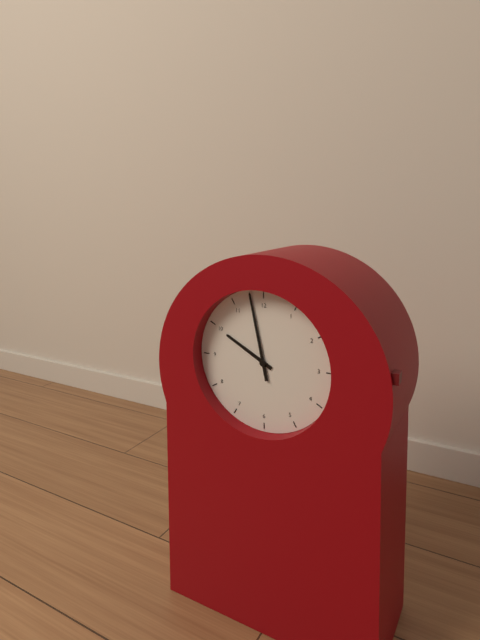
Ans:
9.58
